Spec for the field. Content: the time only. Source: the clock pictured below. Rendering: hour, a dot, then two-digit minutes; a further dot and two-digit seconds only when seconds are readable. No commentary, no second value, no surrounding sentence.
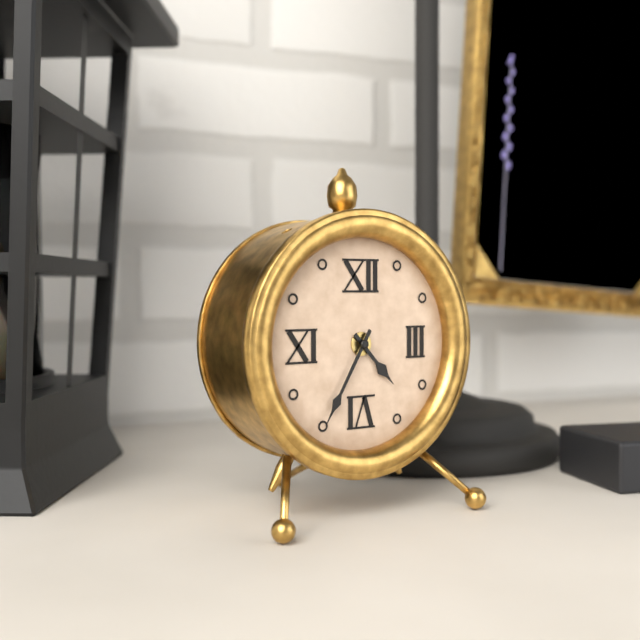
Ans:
4.35
